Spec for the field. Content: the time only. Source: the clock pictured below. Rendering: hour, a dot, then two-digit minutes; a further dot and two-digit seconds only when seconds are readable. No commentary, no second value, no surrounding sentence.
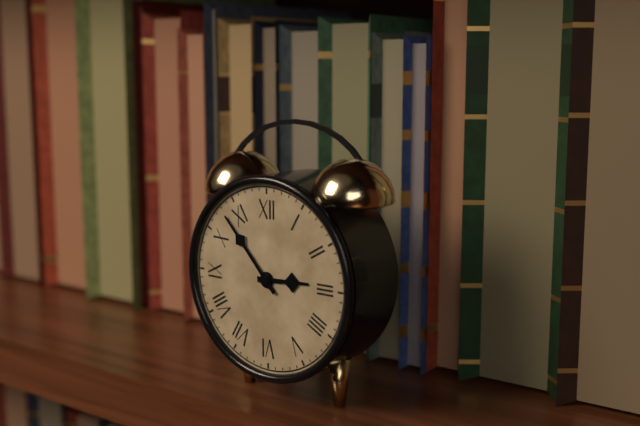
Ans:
2.53
